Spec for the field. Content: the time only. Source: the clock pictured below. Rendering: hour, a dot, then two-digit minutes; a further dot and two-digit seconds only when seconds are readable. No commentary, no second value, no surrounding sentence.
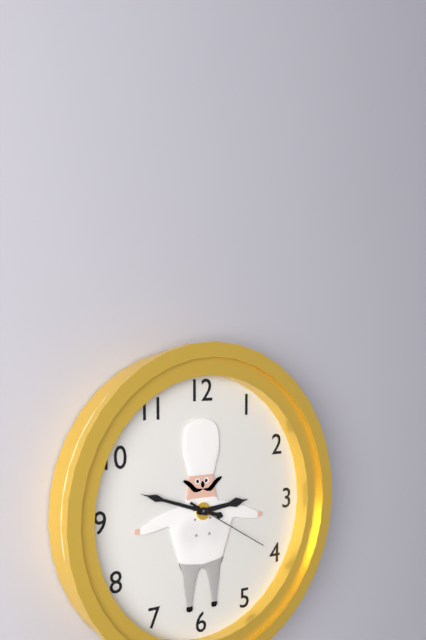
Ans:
2.48.20
